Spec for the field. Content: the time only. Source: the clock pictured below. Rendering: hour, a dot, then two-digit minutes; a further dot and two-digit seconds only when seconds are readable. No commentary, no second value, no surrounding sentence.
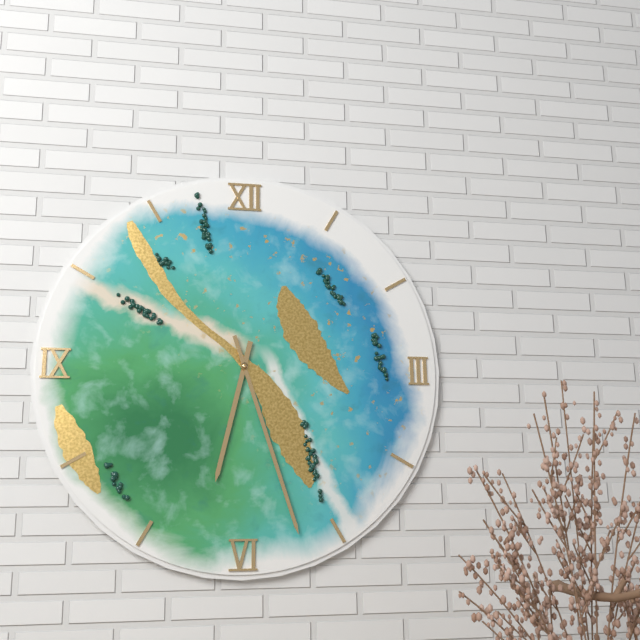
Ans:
6.27
